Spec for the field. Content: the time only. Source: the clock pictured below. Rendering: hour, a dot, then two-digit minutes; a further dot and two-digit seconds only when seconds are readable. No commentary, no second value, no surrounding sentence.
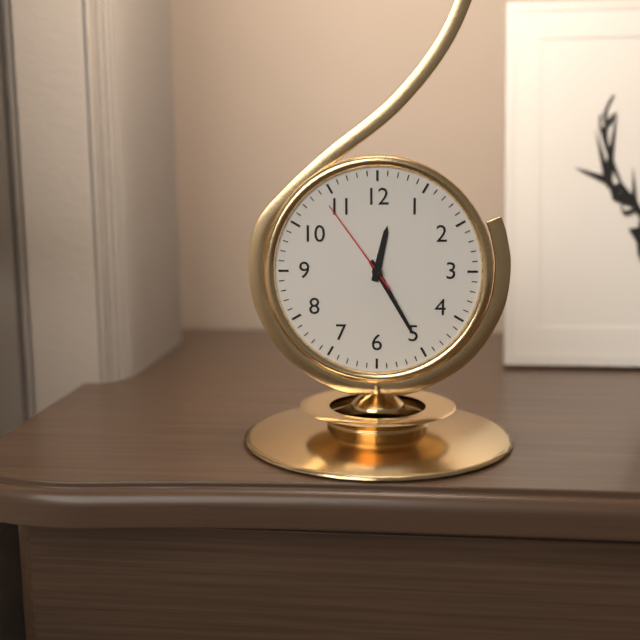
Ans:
12.25.54
